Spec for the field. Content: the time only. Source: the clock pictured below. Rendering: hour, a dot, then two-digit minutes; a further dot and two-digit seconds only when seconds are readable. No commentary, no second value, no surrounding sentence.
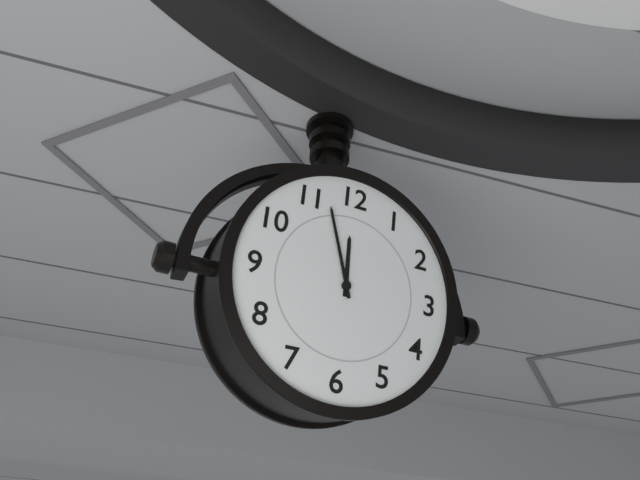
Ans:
11.57
